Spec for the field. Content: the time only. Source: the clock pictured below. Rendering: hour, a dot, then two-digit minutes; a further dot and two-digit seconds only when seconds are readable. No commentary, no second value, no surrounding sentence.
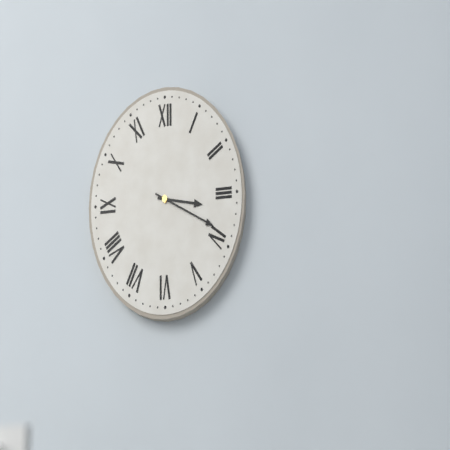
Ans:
3.19
